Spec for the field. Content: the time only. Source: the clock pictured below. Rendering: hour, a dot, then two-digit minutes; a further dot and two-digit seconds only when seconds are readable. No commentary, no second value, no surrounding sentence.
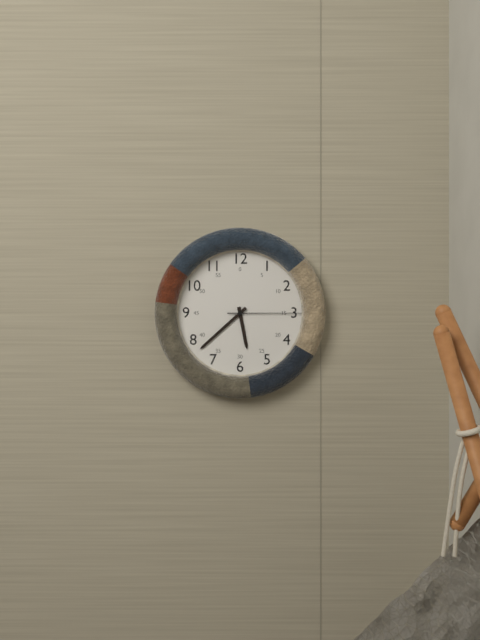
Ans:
5.38.15
